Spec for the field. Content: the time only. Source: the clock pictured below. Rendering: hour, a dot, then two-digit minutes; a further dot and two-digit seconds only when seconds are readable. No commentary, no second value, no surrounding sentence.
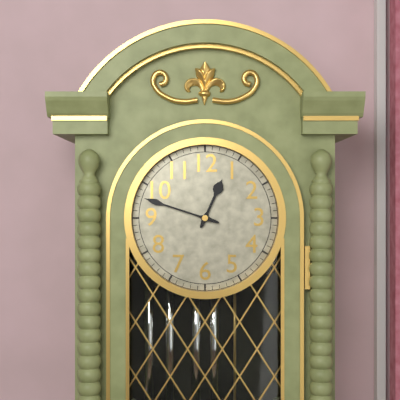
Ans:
12.48
